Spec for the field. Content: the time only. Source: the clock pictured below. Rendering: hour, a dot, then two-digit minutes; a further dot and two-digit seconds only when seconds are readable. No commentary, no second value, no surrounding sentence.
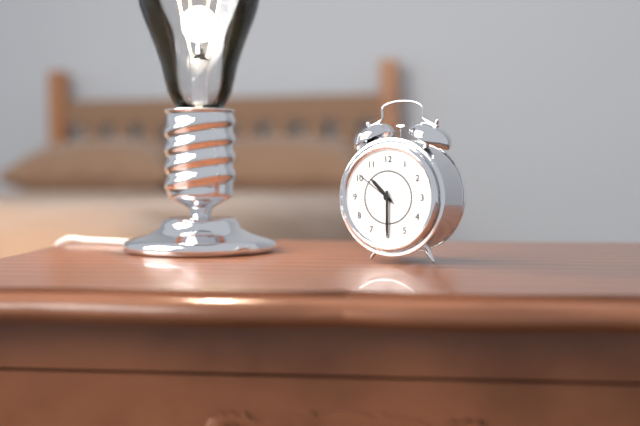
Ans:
10.30
